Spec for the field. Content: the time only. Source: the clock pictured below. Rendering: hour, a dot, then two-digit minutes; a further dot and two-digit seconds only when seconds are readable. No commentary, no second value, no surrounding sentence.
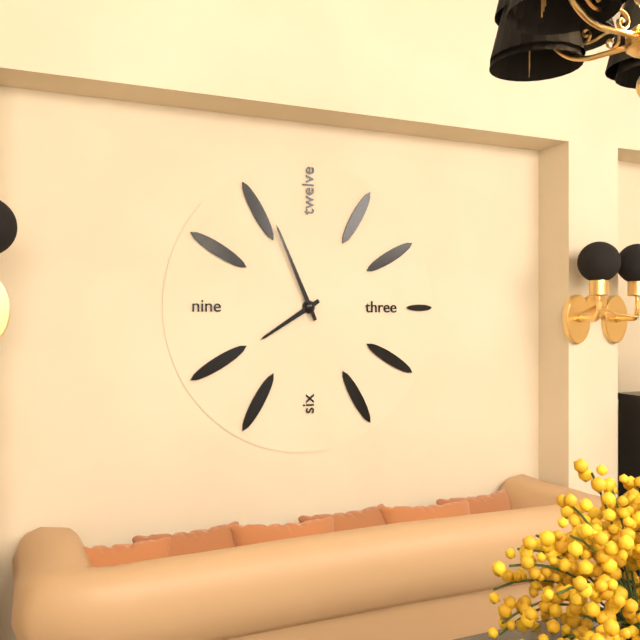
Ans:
7.56
